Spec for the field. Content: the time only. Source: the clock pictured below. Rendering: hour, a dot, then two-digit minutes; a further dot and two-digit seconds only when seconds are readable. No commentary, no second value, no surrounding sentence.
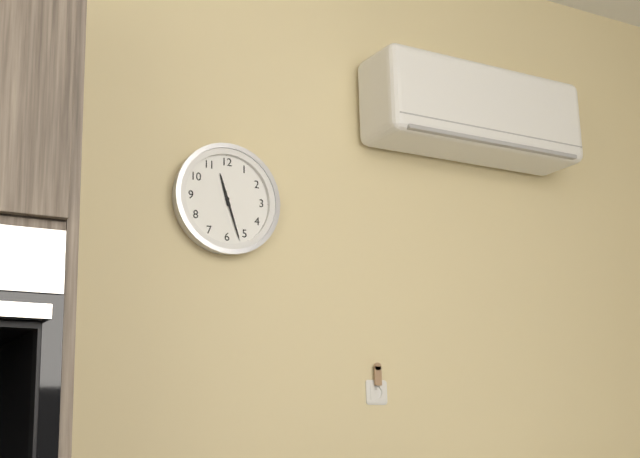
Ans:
11.27
